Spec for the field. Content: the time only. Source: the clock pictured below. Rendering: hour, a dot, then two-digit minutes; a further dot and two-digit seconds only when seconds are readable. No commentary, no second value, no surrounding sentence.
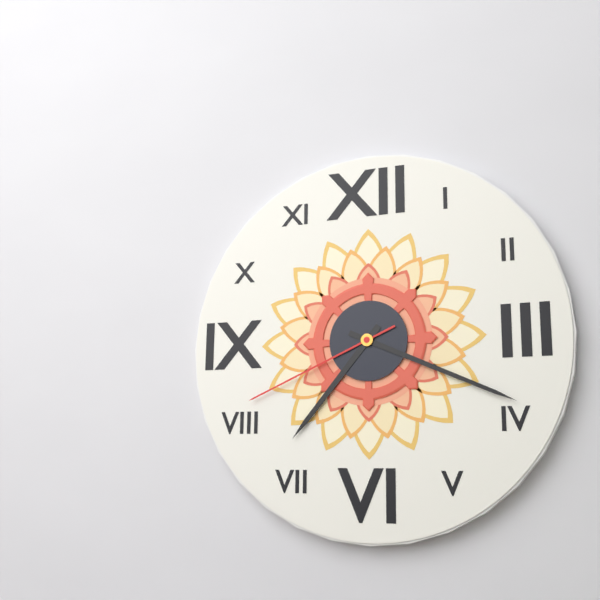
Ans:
7.19.41
